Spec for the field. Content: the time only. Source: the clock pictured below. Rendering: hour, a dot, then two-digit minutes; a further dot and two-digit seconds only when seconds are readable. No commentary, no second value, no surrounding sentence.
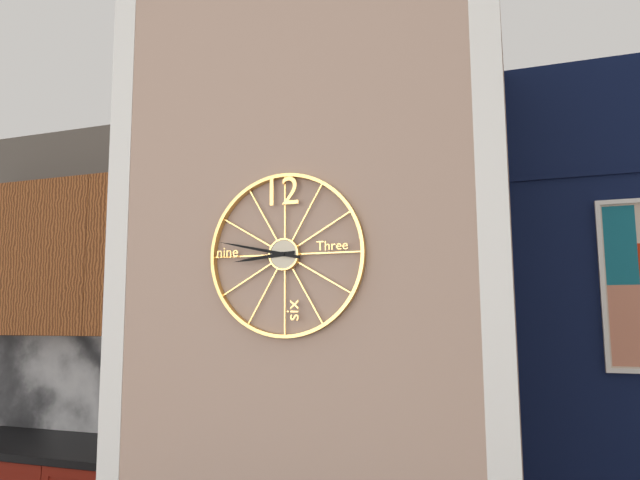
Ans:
8.47
